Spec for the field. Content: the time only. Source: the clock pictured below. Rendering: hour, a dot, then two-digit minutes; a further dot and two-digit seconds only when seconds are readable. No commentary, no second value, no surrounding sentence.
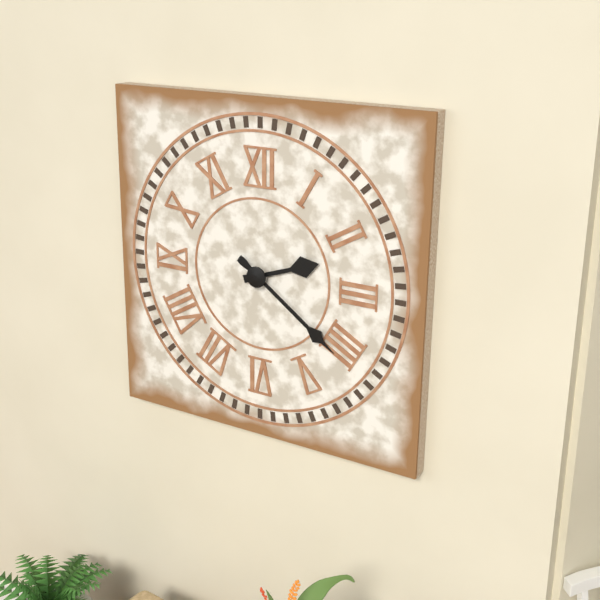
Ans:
2.21
